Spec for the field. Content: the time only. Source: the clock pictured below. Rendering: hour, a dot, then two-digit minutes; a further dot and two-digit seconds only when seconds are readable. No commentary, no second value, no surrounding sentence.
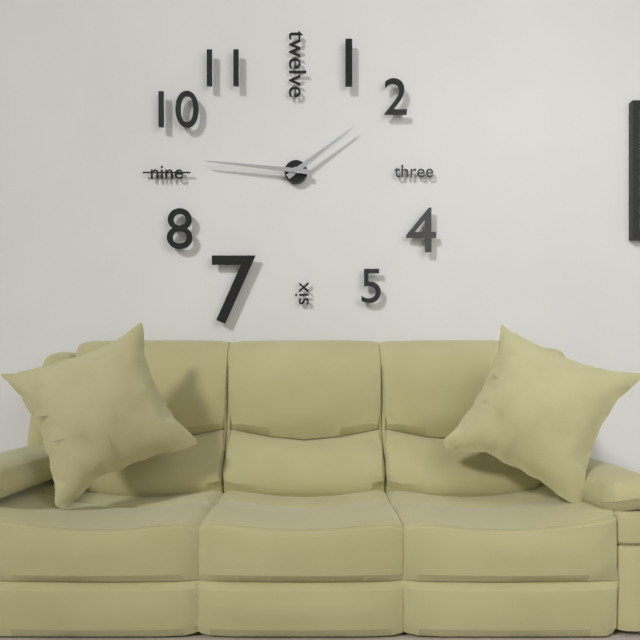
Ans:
1.46
